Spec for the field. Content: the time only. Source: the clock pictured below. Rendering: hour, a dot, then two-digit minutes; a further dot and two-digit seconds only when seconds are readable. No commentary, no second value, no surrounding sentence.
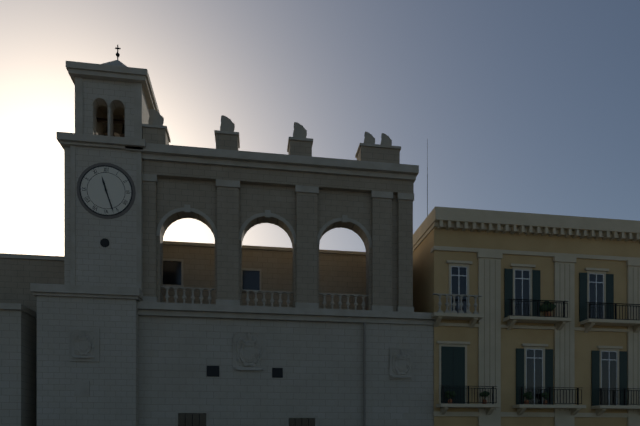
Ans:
11.27
